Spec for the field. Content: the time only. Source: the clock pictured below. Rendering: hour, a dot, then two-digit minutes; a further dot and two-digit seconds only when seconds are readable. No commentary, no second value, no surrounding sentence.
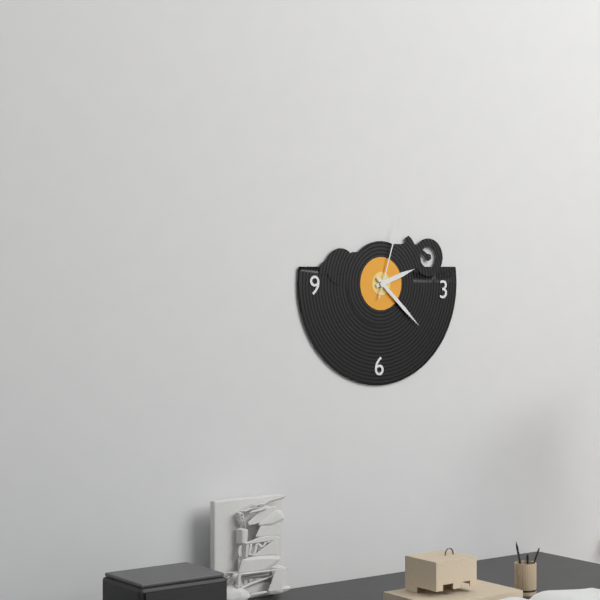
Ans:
2.22.03
